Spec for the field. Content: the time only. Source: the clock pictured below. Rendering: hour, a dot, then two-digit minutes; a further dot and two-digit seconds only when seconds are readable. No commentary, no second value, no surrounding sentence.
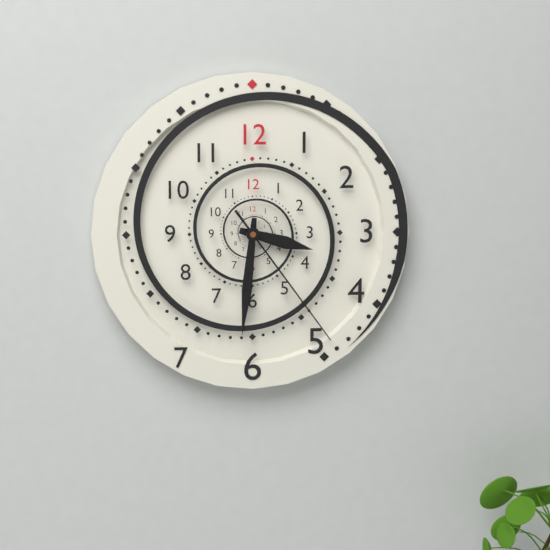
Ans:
3.31.24
